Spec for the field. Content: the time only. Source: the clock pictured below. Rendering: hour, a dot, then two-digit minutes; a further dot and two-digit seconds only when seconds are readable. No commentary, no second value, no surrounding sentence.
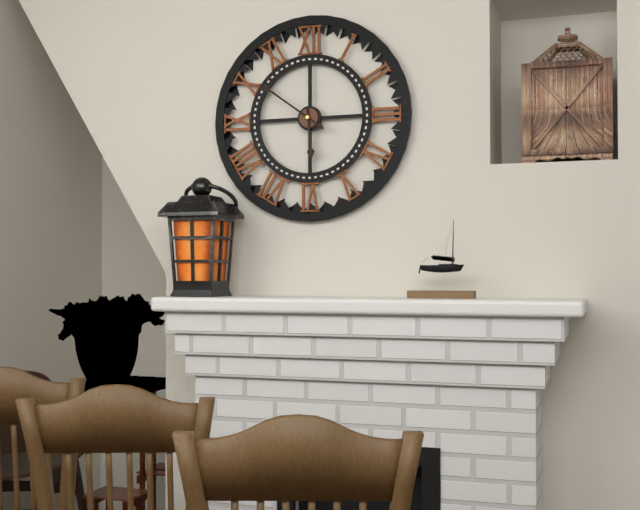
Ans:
5.51
